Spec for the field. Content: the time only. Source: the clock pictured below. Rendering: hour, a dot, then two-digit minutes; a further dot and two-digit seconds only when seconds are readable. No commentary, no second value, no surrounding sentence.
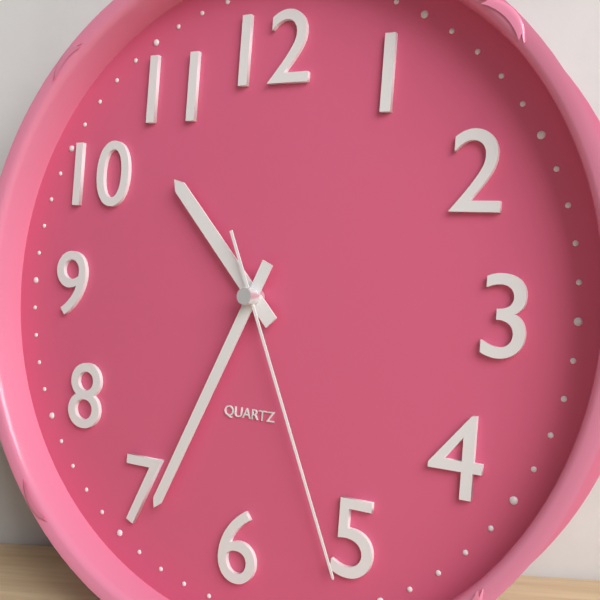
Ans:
10.34.26
